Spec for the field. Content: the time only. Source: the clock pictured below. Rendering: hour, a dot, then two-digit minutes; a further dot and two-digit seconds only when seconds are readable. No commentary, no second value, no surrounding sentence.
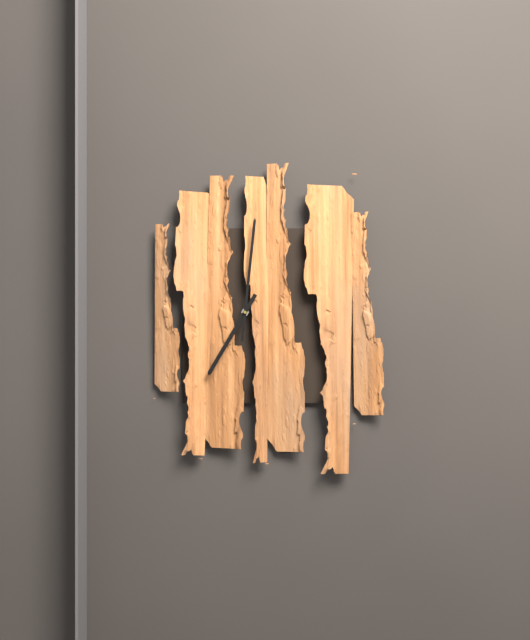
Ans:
7.01
